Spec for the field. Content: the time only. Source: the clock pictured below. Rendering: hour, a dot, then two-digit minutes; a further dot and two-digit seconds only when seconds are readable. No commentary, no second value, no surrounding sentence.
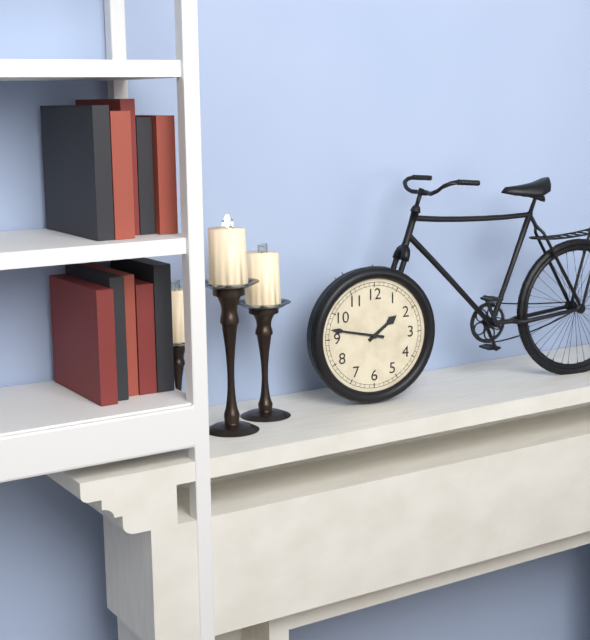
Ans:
1.47
